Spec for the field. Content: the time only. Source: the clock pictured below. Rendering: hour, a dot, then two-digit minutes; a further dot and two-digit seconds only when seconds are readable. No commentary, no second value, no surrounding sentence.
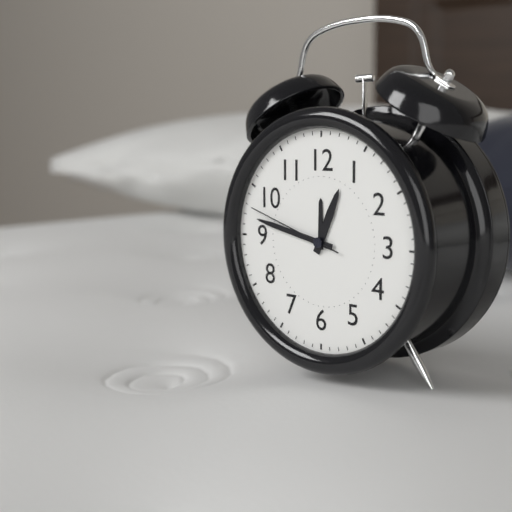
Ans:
12.47.48
